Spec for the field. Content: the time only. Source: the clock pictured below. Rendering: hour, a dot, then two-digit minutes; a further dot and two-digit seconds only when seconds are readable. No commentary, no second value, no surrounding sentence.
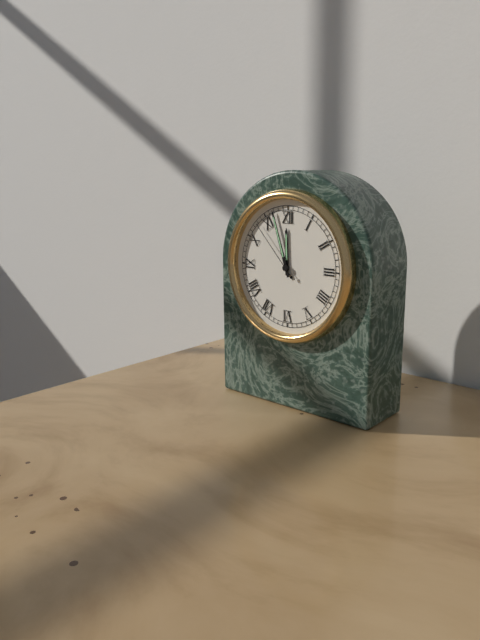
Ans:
11.57.53
